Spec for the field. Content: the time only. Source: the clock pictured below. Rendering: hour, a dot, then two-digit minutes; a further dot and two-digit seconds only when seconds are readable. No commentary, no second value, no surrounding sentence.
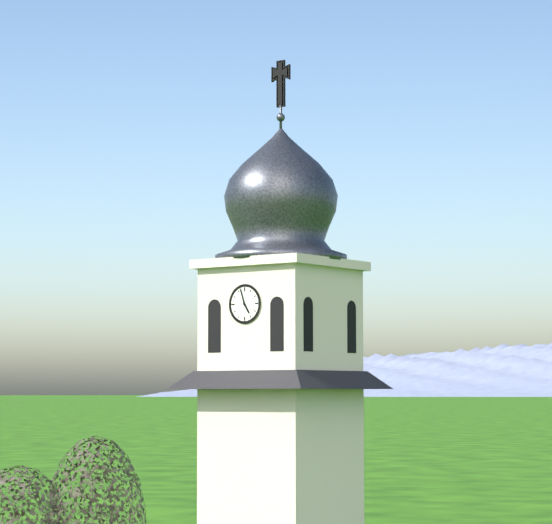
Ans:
4.57
